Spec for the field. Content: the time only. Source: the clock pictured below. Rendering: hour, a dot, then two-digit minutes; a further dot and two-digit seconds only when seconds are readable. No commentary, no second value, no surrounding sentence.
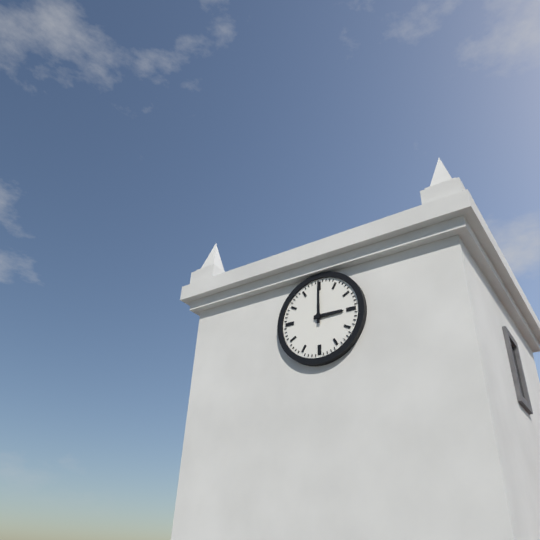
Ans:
3.00
